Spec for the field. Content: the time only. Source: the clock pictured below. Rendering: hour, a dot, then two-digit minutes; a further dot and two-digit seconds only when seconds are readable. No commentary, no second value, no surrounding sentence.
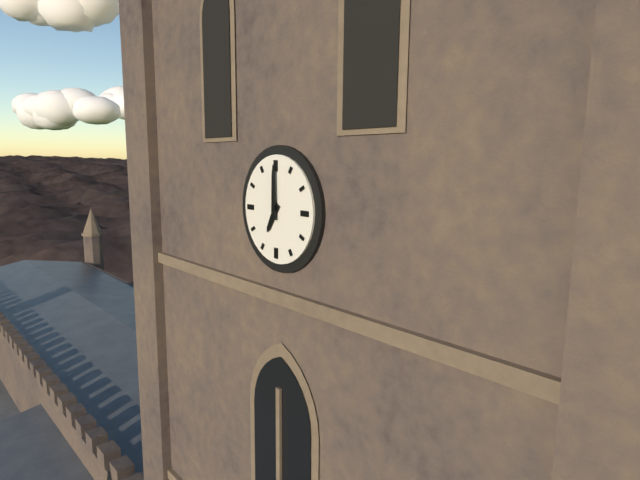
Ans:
7.00
